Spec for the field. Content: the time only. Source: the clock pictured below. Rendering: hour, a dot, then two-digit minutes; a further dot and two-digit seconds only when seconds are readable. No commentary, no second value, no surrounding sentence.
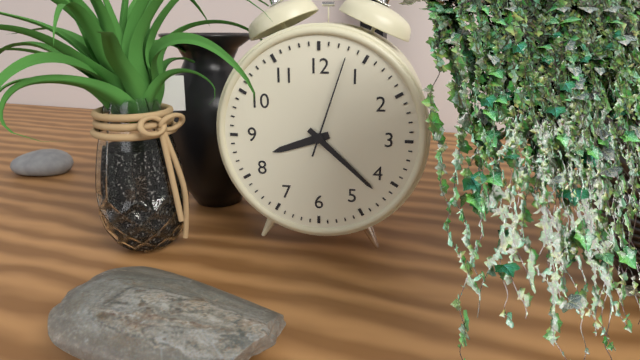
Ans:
8.22.03
